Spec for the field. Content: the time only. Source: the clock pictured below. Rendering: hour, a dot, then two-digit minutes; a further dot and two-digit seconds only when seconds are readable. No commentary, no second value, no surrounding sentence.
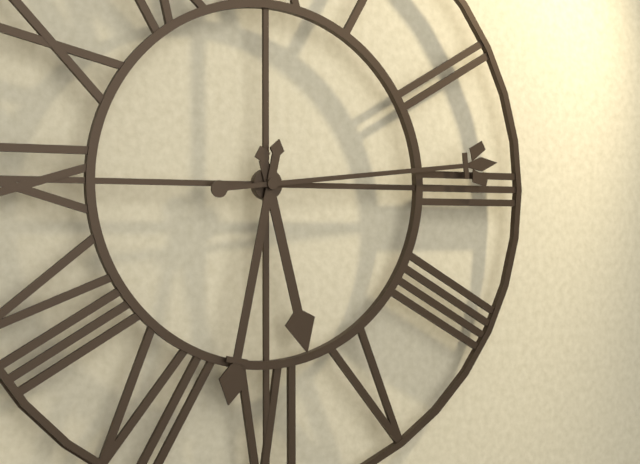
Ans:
5.32.14
